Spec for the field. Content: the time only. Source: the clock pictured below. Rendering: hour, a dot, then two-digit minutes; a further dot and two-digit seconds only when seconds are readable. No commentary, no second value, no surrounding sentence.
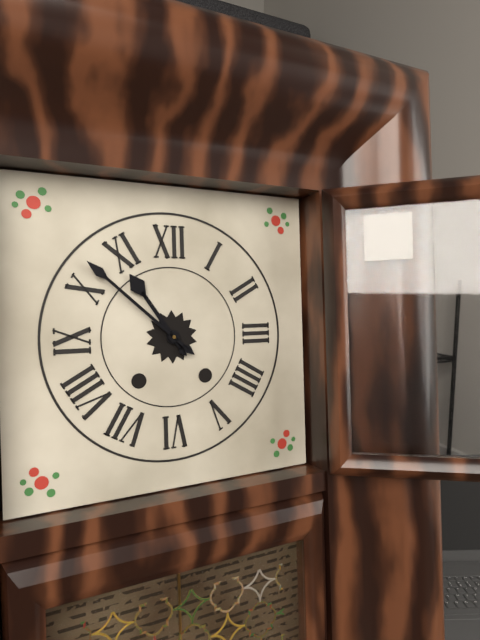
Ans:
10.52
